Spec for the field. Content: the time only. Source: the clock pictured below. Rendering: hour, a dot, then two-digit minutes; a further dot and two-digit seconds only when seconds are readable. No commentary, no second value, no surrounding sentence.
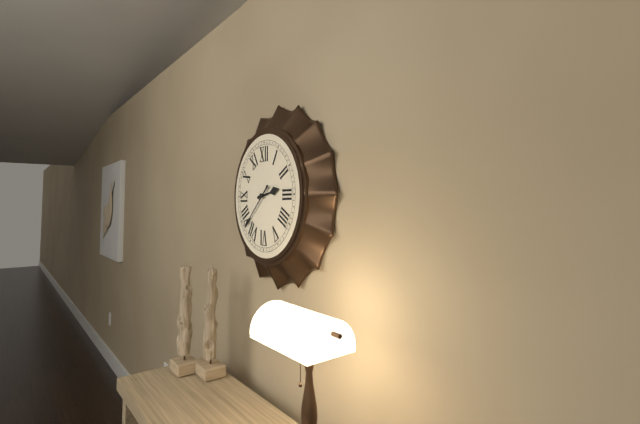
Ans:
2.38
